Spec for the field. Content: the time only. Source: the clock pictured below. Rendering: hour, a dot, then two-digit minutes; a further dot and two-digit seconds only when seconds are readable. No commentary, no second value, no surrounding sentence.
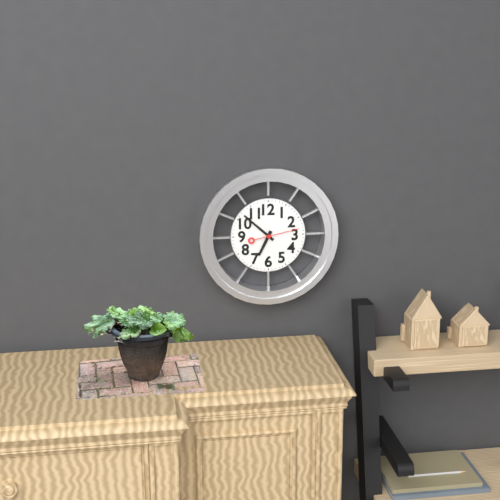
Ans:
6.52
